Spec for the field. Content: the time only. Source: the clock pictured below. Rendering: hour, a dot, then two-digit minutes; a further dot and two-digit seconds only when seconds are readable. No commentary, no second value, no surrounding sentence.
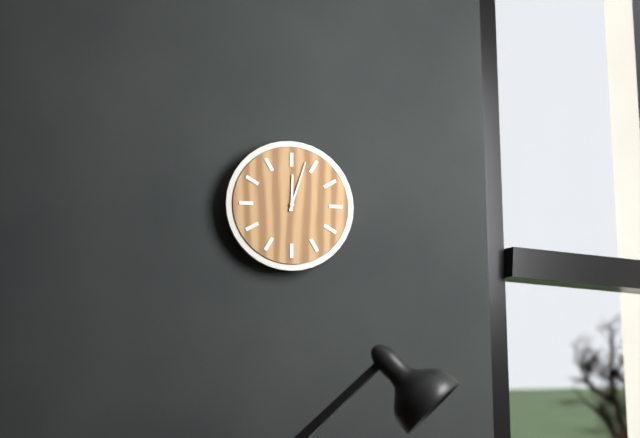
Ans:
12.03
